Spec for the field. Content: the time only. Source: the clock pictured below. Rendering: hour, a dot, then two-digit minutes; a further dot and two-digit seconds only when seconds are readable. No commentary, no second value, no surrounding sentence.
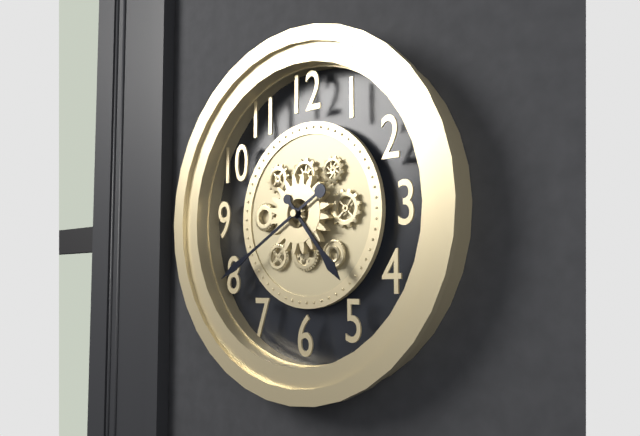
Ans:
4.40
